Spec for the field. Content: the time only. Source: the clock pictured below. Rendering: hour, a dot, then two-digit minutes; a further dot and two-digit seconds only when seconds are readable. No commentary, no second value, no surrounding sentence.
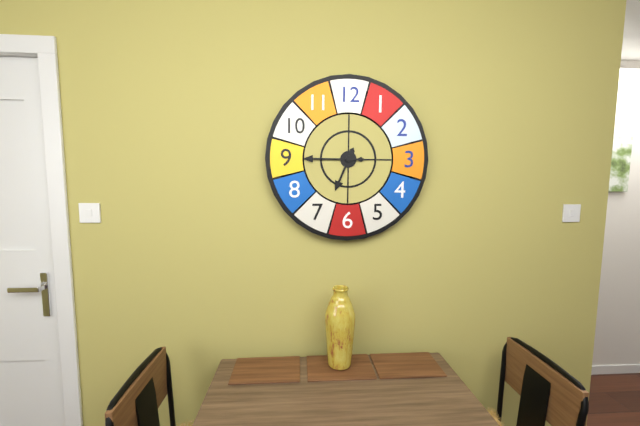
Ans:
6.45
